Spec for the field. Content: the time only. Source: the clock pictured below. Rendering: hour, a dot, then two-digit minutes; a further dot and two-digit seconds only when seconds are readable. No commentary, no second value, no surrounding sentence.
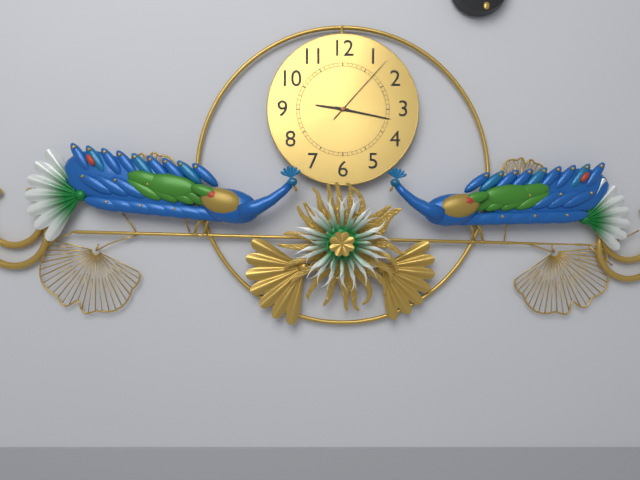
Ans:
9.17.07
